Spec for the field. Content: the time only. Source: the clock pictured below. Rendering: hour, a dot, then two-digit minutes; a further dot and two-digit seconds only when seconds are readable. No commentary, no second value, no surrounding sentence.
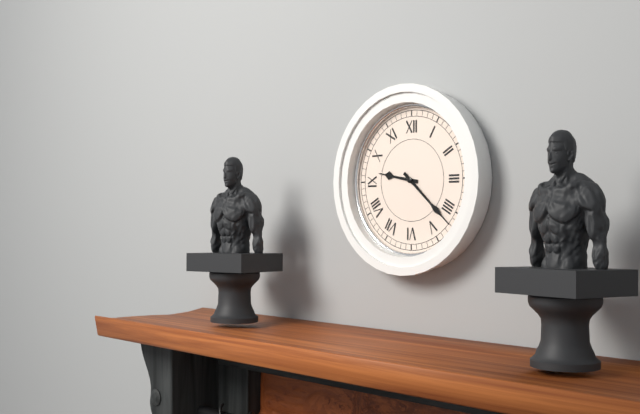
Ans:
9.22
